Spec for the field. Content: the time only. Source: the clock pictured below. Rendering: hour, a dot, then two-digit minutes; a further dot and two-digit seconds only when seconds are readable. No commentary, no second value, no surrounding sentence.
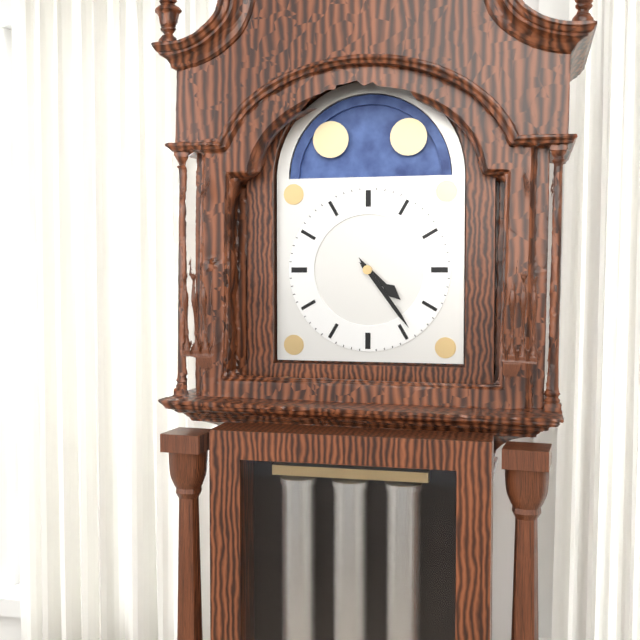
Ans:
4.24
